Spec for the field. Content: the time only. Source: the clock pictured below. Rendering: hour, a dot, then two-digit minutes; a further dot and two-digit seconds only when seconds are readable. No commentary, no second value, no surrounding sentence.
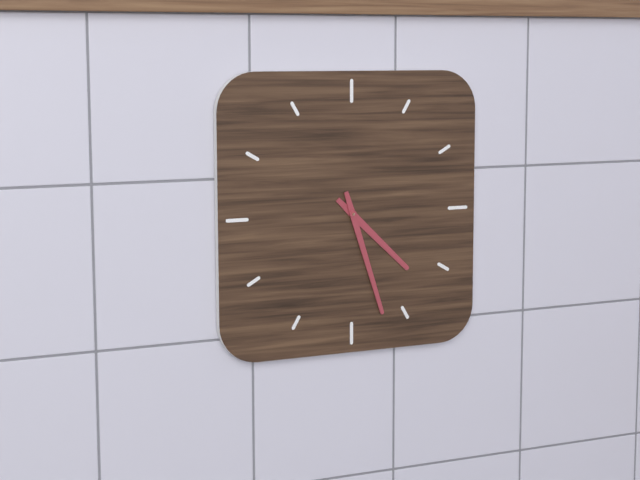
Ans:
4.27
